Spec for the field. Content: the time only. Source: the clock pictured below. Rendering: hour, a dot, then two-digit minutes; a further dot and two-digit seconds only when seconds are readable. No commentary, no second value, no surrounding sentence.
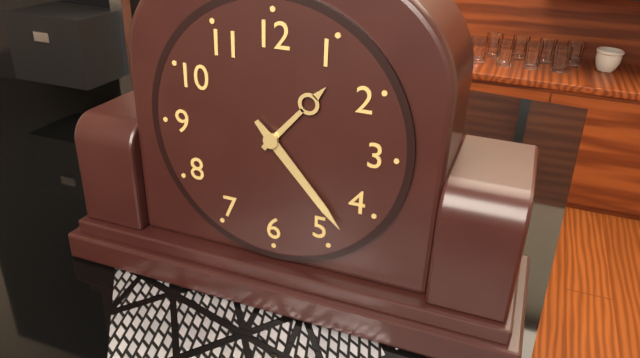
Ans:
1.23
